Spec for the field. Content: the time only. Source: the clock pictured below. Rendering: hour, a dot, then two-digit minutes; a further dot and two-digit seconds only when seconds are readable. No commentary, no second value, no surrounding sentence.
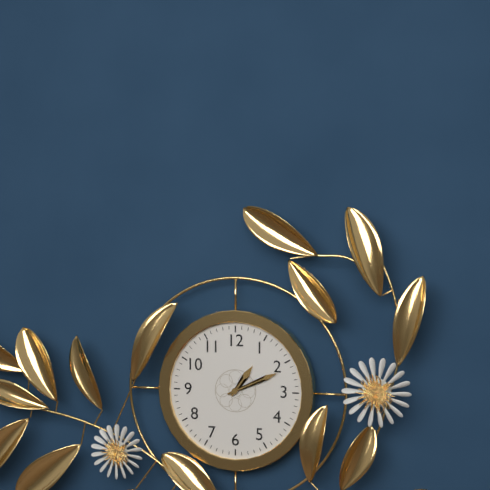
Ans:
1.11
